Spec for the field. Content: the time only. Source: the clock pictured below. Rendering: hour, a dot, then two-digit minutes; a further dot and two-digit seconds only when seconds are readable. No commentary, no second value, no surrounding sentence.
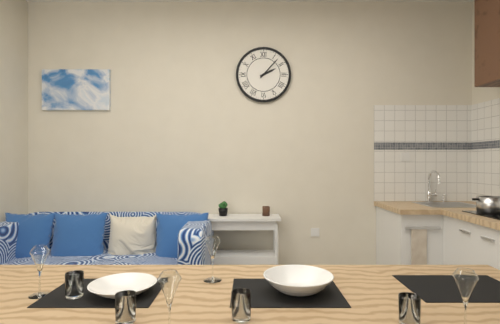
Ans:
2.07
